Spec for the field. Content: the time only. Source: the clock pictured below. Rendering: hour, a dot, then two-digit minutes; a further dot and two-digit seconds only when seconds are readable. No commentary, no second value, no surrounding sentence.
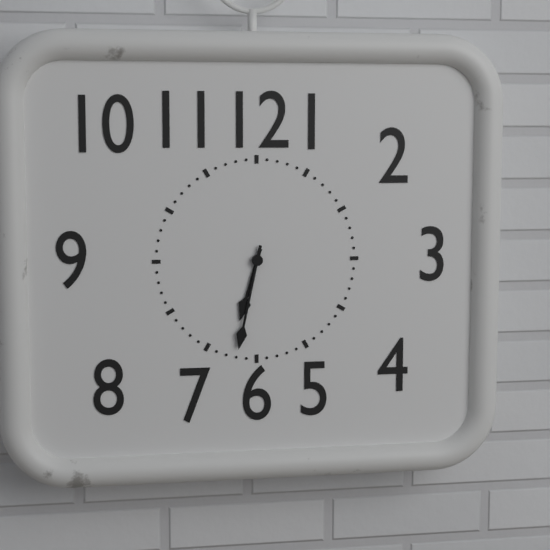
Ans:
6.32
